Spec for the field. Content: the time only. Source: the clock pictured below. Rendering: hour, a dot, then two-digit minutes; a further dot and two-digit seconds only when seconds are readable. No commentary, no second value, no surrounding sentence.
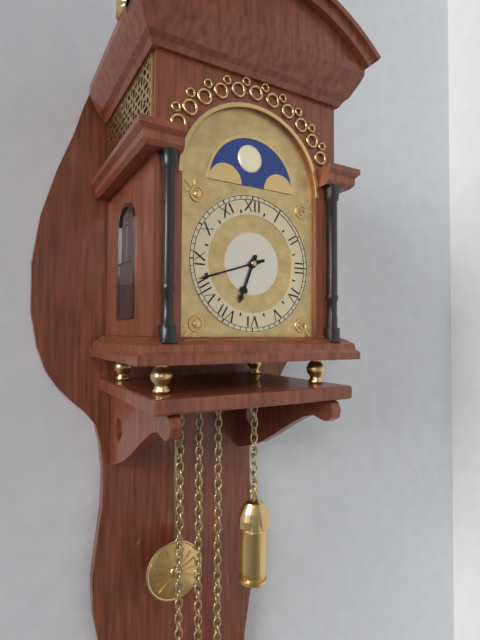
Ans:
6.42
